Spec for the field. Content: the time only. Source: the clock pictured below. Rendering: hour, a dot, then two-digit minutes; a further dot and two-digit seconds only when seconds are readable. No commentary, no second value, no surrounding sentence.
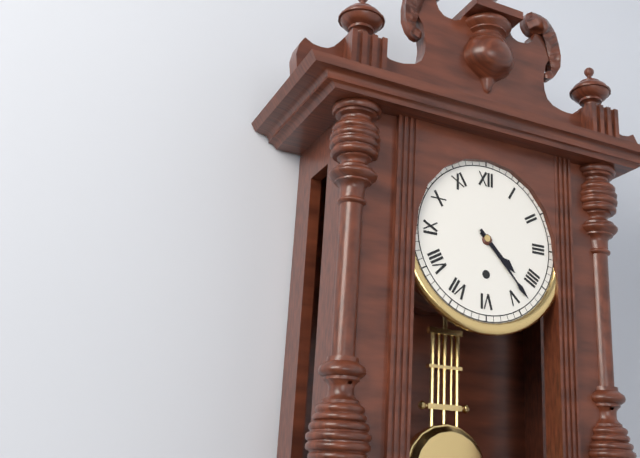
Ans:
4.23
